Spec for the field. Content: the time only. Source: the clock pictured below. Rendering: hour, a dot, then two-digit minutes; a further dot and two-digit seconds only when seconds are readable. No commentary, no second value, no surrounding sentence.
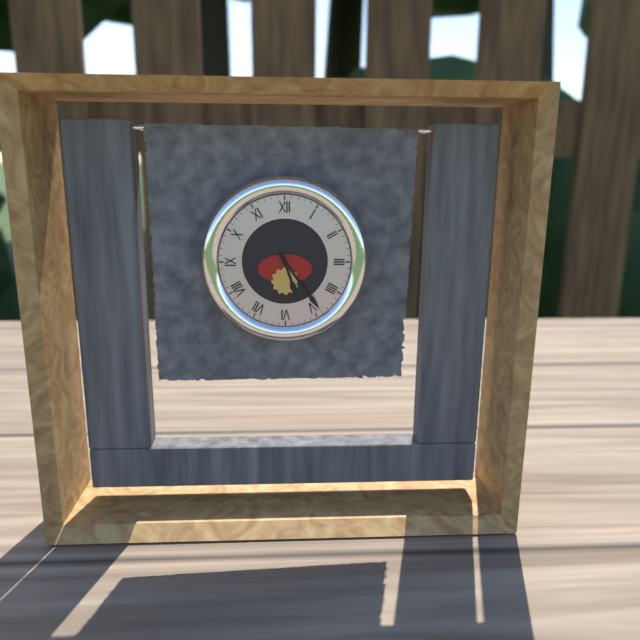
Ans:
5.24
